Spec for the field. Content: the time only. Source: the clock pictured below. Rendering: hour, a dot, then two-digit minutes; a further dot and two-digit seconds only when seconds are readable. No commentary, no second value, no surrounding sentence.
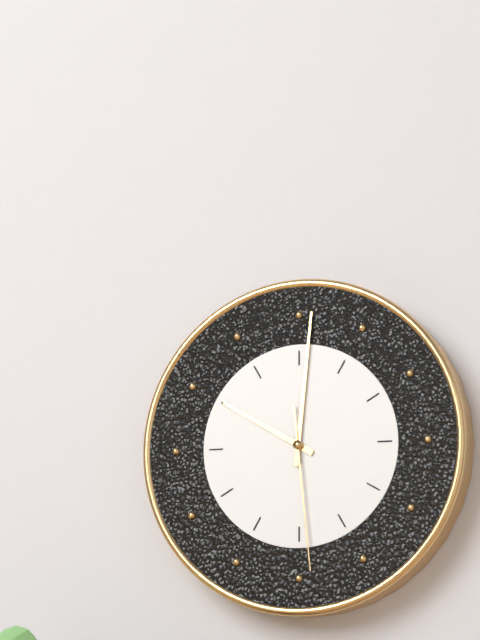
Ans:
10.01.29
